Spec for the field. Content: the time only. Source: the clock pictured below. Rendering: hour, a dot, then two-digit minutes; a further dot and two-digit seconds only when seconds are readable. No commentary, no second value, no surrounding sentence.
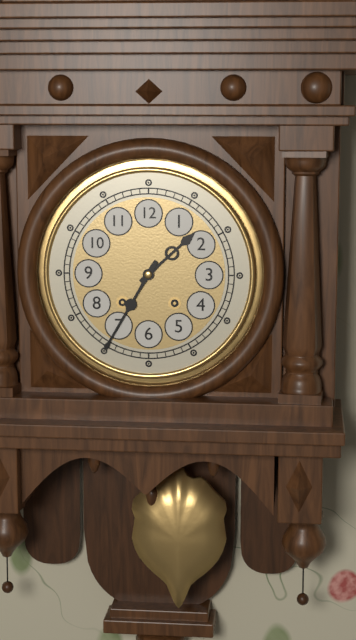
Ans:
1.35
